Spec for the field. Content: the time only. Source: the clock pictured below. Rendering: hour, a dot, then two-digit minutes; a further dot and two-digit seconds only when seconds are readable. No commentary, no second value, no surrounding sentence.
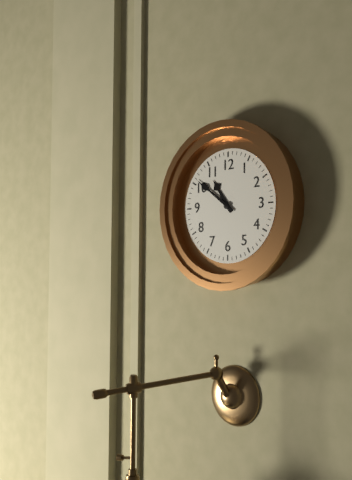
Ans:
10.51
